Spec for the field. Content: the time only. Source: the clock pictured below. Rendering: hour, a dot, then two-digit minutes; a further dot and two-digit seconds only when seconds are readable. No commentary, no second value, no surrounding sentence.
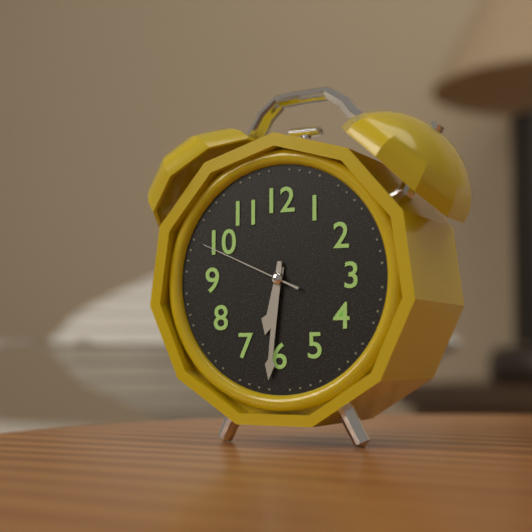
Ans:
6.31.49
